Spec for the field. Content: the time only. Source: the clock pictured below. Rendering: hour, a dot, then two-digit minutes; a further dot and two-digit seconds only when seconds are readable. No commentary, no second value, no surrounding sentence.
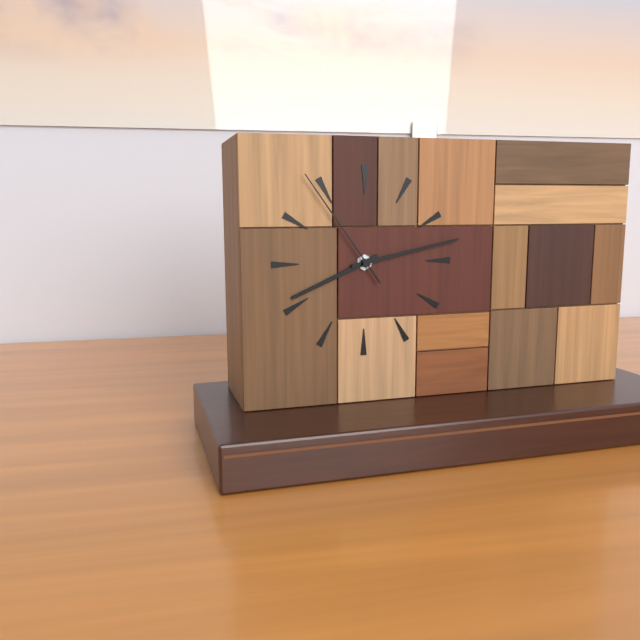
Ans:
8.13.54
